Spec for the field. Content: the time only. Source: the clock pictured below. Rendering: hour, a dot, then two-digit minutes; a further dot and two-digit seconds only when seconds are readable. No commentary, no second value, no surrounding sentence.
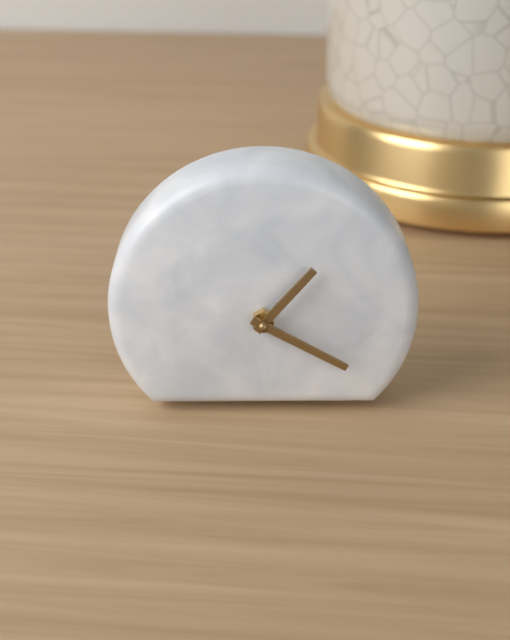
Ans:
1.20
